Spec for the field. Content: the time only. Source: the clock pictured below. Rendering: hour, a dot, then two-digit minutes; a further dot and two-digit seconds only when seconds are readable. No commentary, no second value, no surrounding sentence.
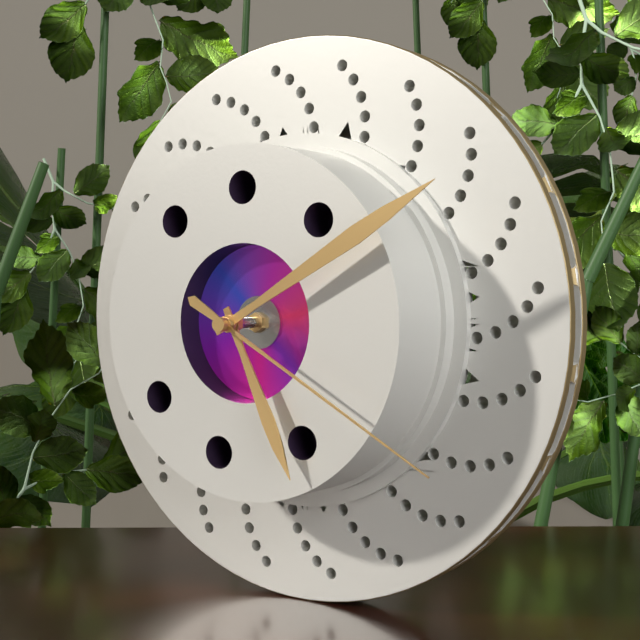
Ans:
5.10.20
